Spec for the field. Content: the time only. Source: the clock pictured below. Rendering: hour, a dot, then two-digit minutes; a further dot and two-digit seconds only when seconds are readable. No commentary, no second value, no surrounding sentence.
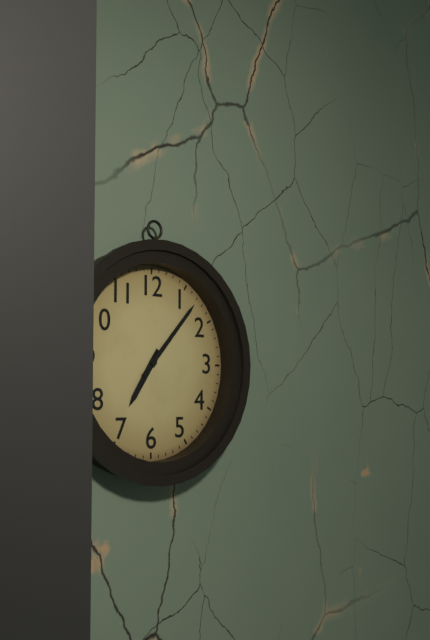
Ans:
7.07
